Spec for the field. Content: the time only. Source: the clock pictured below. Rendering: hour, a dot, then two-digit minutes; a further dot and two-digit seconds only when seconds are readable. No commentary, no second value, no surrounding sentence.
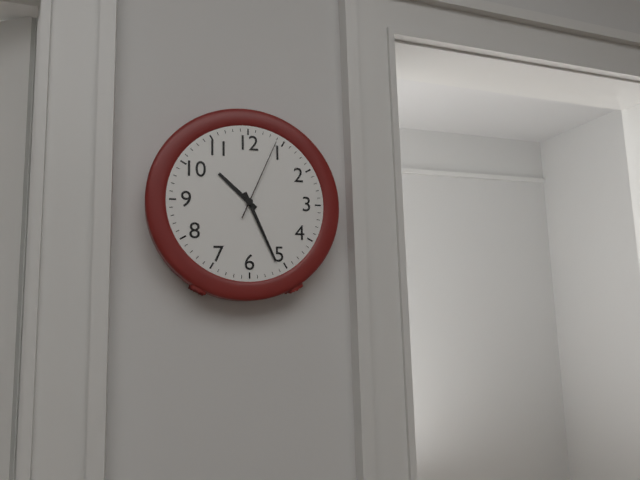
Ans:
10.26.04
